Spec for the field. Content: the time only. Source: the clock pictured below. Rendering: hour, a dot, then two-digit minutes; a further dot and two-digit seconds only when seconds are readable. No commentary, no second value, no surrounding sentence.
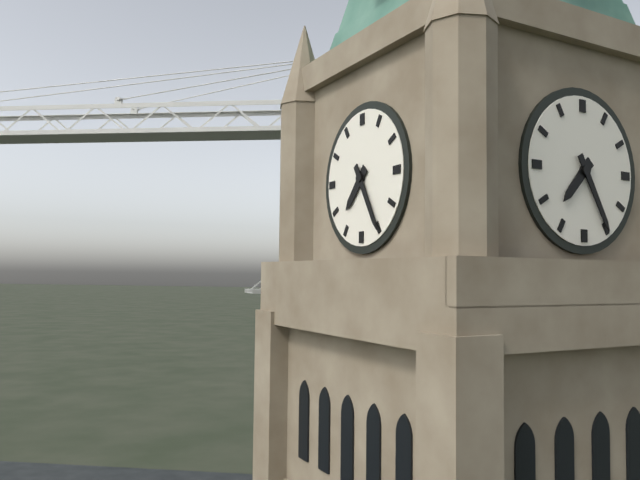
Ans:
7.25
